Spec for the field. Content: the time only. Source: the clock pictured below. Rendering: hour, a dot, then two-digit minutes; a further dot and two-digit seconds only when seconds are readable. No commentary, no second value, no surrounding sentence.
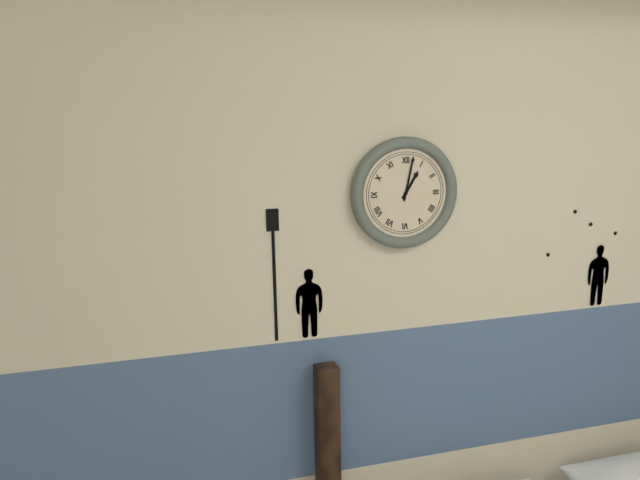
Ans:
1.02
